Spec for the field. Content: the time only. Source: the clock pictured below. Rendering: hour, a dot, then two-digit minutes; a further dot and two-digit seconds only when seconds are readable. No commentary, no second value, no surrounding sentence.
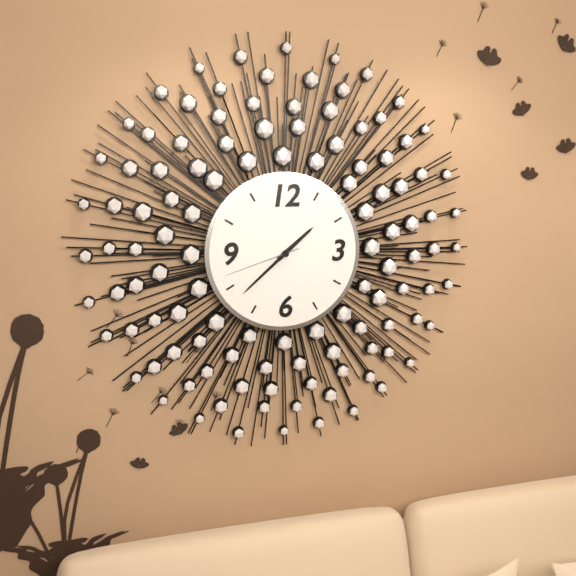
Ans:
1.38.42
